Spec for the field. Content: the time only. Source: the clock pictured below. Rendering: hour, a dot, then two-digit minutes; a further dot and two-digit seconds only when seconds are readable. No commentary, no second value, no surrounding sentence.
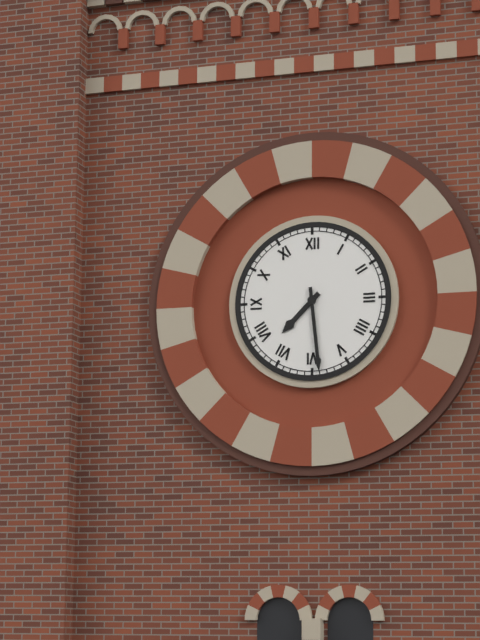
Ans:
7.29
